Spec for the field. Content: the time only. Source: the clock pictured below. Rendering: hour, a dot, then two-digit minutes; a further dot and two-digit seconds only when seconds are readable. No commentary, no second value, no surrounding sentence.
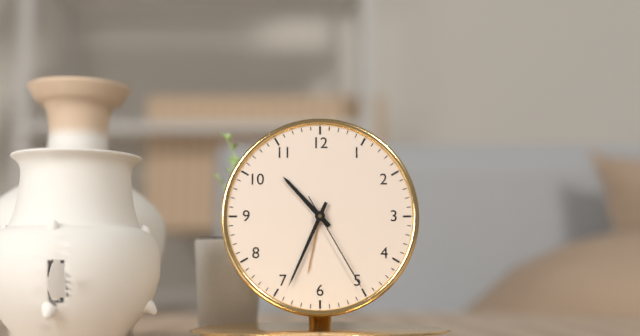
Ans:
10.34.25
